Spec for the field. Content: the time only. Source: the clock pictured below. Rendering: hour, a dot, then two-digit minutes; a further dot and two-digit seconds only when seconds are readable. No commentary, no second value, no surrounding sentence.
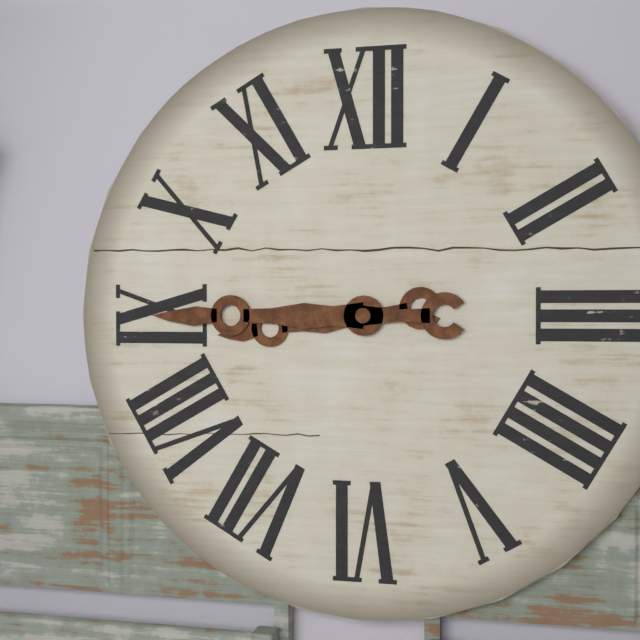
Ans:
8.45
